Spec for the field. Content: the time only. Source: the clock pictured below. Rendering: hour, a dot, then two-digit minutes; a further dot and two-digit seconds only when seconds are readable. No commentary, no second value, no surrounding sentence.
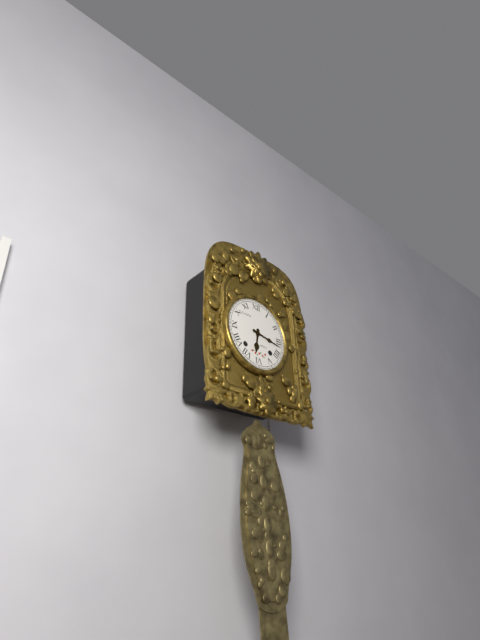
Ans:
6.17
